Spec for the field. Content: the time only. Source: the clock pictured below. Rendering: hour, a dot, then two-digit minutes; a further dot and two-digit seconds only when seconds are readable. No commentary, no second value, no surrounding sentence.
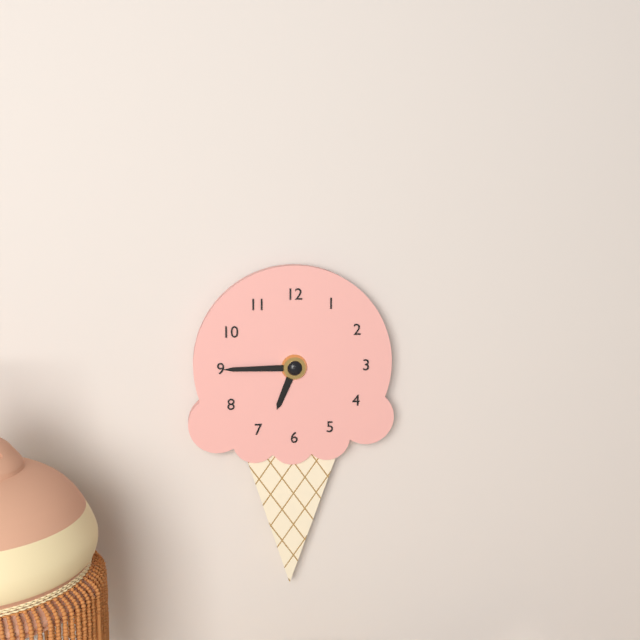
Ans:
6.45
